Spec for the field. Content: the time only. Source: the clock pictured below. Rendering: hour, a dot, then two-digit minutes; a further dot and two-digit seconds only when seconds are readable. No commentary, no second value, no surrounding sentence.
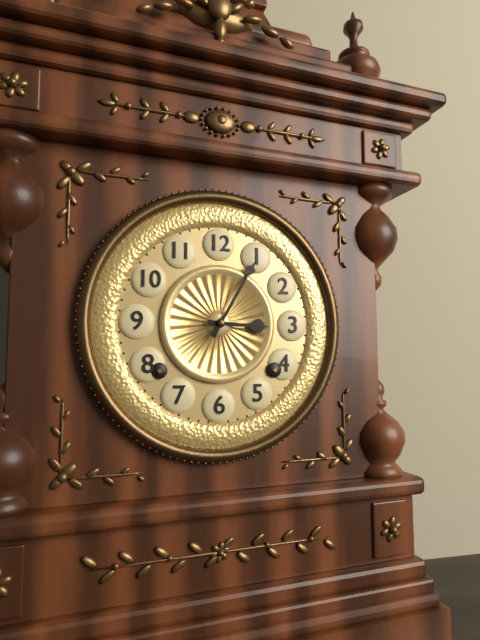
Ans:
3.05
